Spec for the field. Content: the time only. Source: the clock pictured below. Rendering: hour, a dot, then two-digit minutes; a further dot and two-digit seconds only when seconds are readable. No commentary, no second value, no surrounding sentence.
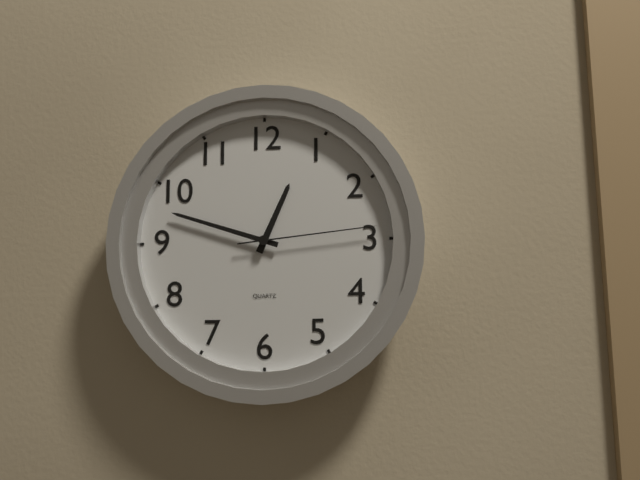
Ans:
12.48.14
